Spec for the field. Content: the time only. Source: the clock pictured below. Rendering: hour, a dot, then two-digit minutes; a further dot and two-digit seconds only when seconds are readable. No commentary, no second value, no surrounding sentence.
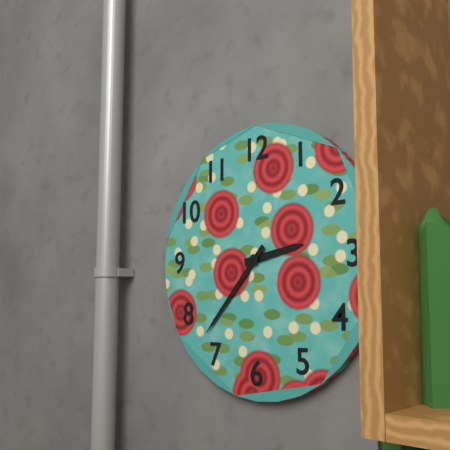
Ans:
2.37
